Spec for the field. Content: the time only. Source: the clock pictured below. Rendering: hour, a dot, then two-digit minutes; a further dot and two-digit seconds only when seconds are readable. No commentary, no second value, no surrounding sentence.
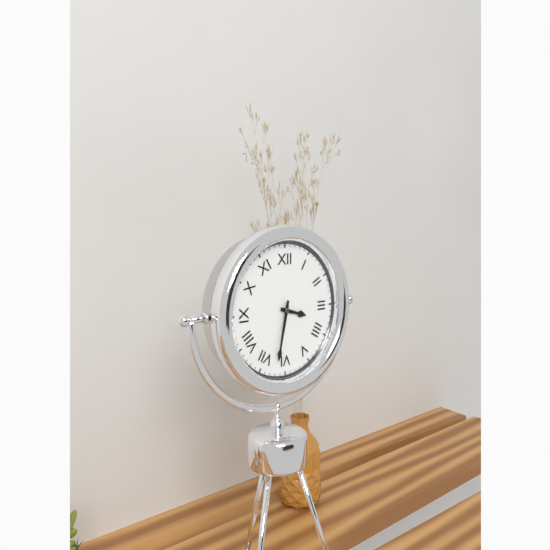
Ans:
3.32
